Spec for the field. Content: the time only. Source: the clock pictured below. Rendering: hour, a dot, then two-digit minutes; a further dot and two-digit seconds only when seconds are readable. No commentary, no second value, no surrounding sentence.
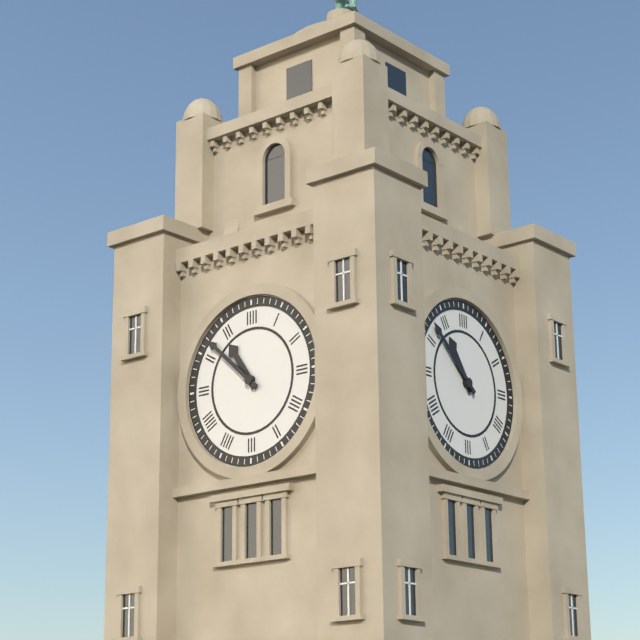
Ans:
10.52
